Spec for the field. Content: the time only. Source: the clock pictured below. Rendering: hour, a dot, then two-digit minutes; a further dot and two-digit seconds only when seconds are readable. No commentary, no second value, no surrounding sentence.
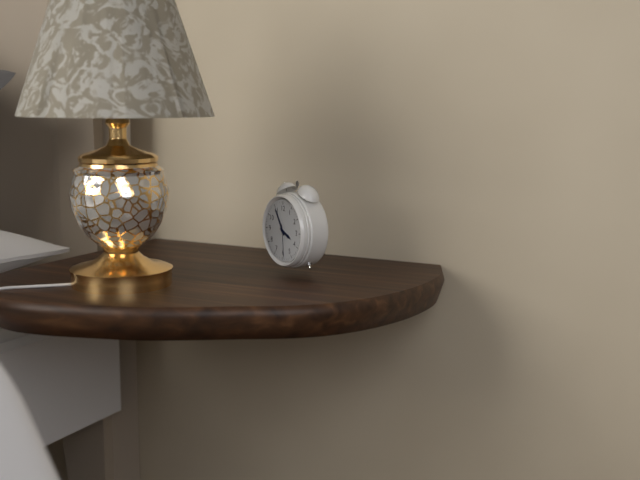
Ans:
3.55
